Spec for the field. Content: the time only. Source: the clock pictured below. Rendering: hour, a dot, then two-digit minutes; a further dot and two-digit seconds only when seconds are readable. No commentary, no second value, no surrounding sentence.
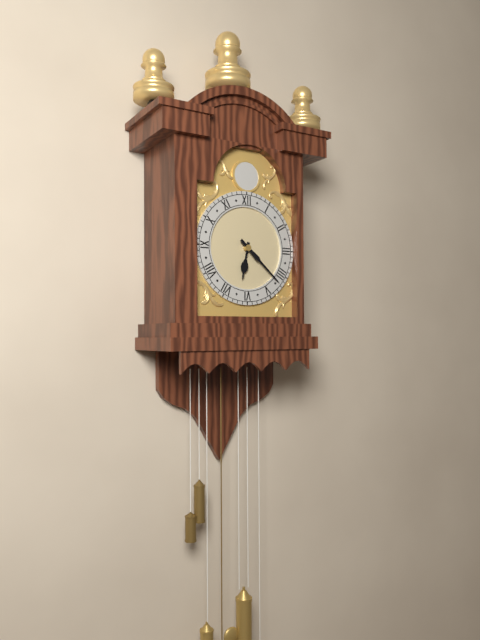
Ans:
6.22
